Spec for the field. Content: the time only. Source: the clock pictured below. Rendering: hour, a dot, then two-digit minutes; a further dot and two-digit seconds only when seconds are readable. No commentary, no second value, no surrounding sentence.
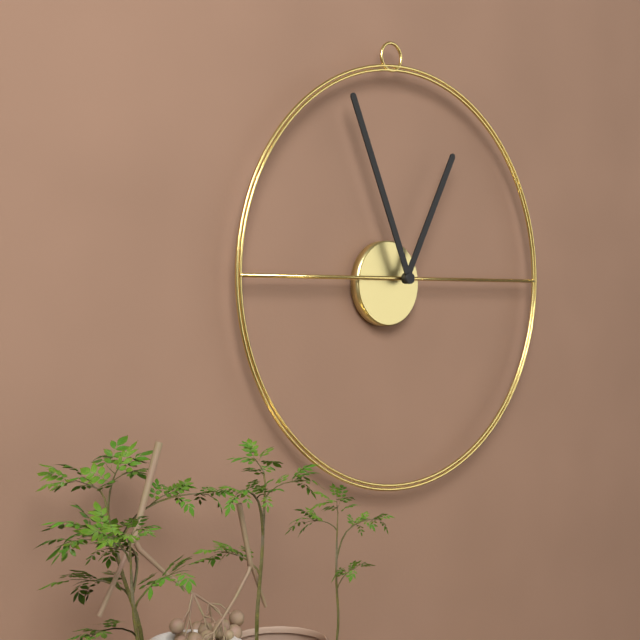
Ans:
12.56
